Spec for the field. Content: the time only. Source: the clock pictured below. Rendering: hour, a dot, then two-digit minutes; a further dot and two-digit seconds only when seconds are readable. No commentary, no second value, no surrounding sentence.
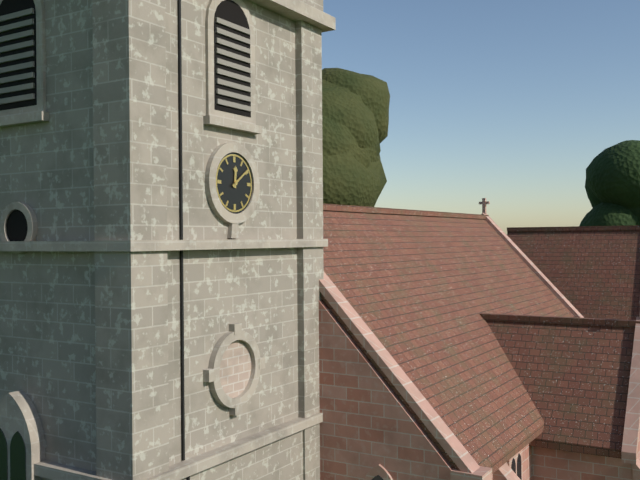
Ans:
12.09
